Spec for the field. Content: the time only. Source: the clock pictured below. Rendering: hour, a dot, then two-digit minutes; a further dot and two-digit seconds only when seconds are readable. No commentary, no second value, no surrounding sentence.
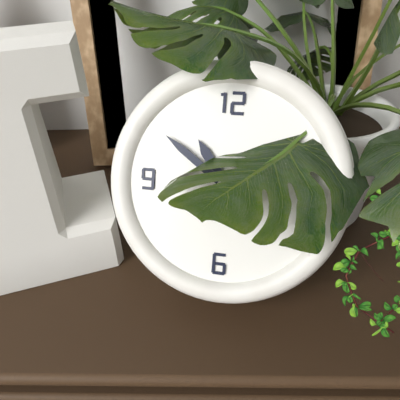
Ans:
10.51
